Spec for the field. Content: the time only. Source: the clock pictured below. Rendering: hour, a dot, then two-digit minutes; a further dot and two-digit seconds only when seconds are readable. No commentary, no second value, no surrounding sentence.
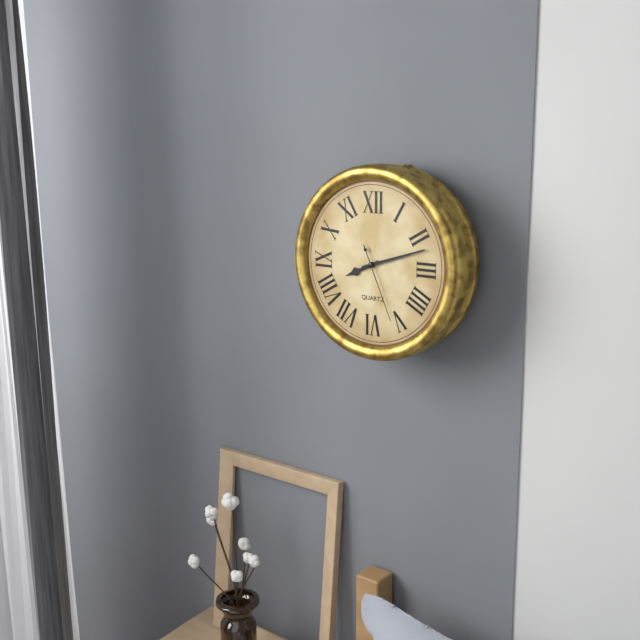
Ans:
8.12.26
